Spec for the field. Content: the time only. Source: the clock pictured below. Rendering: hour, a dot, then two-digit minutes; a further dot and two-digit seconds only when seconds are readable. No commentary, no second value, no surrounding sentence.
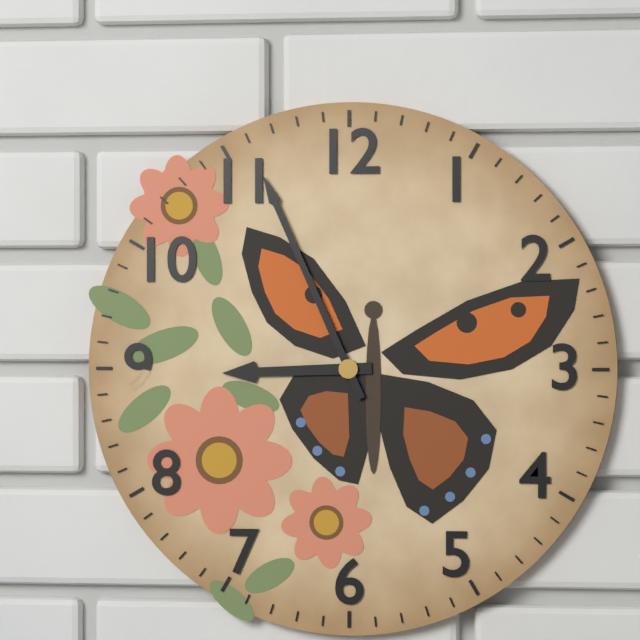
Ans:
8.56
